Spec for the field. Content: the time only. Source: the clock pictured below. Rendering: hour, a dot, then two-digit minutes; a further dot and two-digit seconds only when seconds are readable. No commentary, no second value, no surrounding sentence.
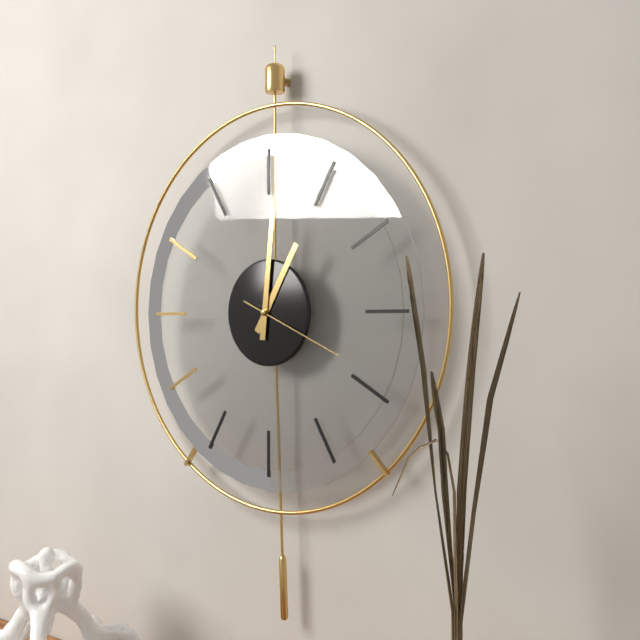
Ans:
1.01.19
